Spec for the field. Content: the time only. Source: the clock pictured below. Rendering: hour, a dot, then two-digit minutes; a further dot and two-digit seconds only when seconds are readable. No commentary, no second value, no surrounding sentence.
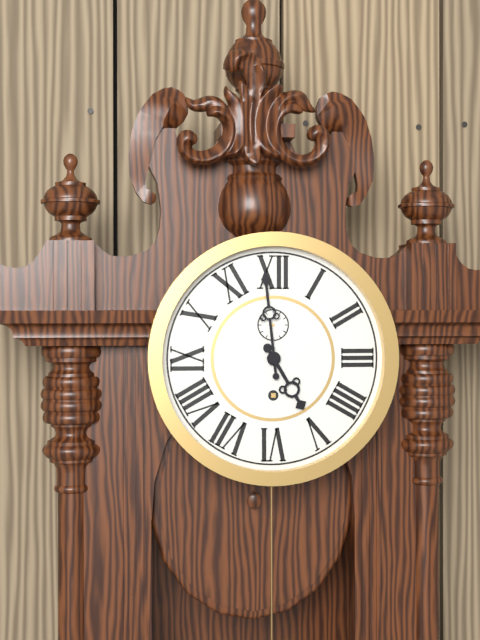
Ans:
4.59
